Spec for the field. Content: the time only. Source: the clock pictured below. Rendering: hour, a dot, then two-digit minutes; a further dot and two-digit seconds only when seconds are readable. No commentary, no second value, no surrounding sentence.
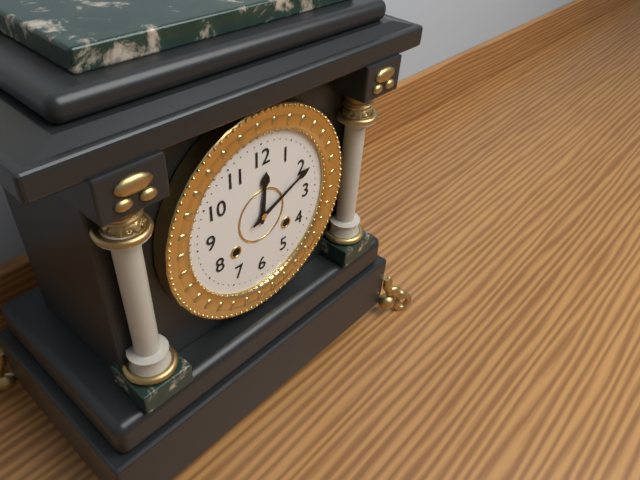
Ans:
12.11
